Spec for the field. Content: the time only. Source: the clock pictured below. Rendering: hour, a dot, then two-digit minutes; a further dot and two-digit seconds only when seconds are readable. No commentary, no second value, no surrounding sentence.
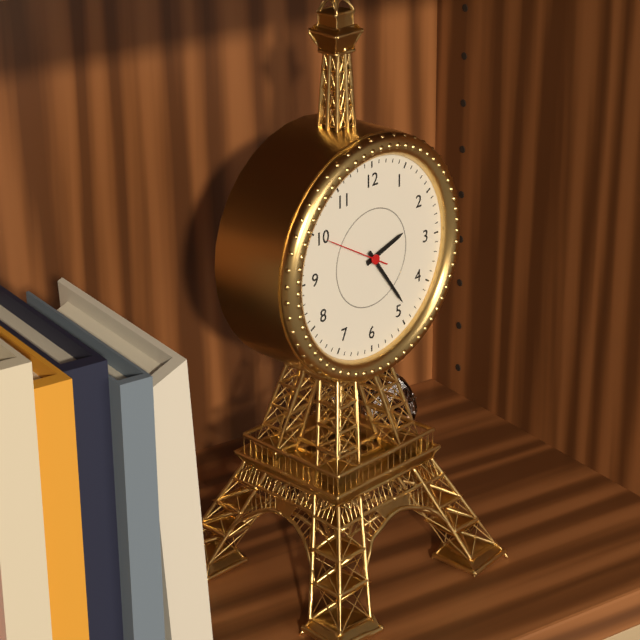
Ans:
2.24.50
